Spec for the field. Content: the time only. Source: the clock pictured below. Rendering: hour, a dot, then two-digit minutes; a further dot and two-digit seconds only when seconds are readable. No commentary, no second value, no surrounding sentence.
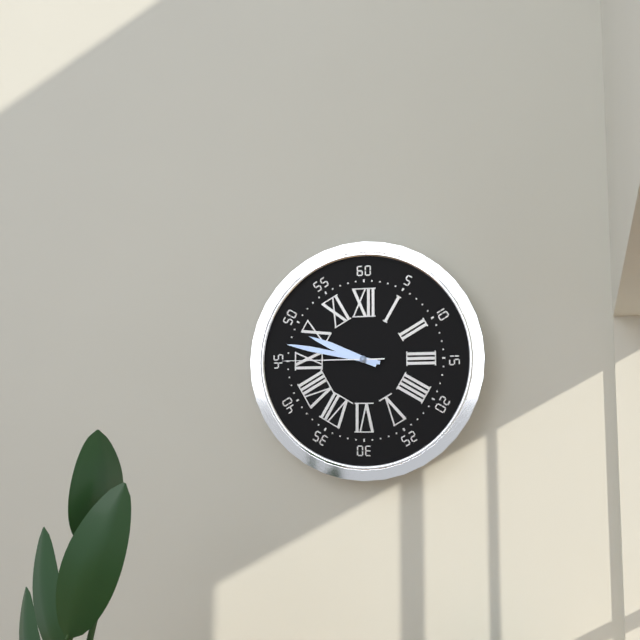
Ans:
9.47.45
